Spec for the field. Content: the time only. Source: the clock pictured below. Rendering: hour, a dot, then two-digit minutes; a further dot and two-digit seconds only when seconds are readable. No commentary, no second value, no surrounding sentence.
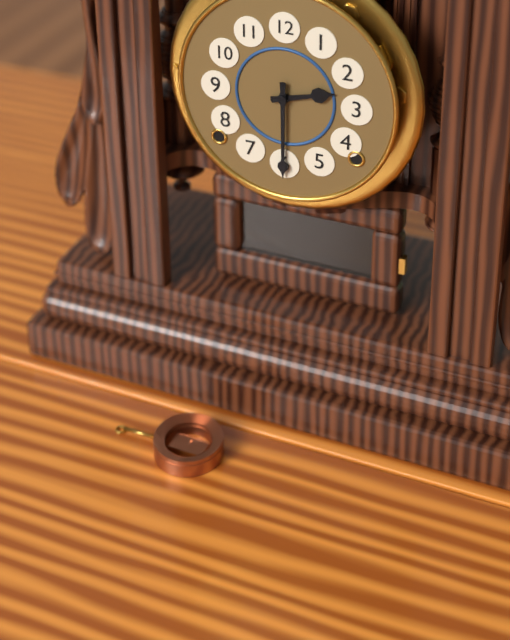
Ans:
2.30
